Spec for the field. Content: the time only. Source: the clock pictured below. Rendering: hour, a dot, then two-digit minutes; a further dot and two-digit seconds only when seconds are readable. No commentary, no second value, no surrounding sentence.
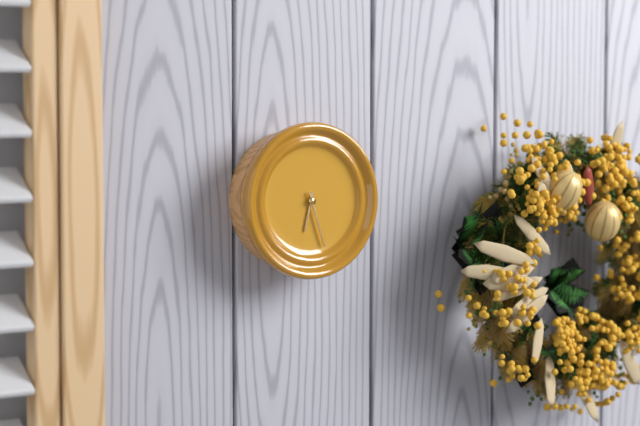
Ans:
6.27
